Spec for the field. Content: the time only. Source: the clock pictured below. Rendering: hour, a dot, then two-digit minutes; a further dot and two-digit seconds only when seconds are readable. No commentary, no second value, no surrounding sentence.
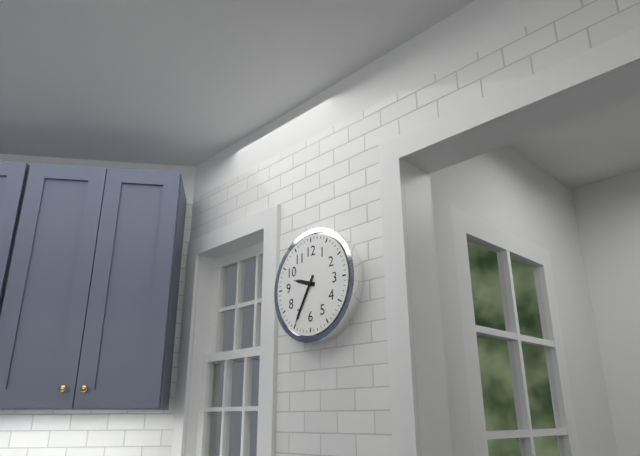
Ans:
9.35
